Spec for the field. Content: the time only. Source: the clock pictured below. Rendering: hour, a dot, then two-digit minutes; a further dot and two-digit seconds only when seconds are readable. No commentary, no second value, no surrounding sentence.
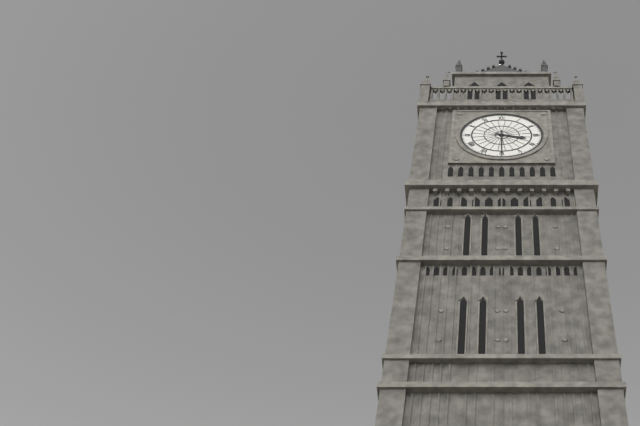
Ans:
3.30
